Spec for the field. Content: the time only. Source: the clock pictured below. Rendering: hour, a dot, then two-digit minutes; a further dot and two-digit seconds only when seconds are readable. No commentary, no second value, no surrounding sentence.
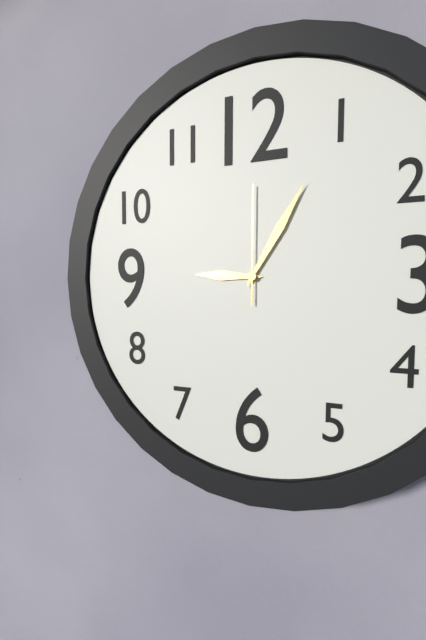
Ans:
9.05.00
